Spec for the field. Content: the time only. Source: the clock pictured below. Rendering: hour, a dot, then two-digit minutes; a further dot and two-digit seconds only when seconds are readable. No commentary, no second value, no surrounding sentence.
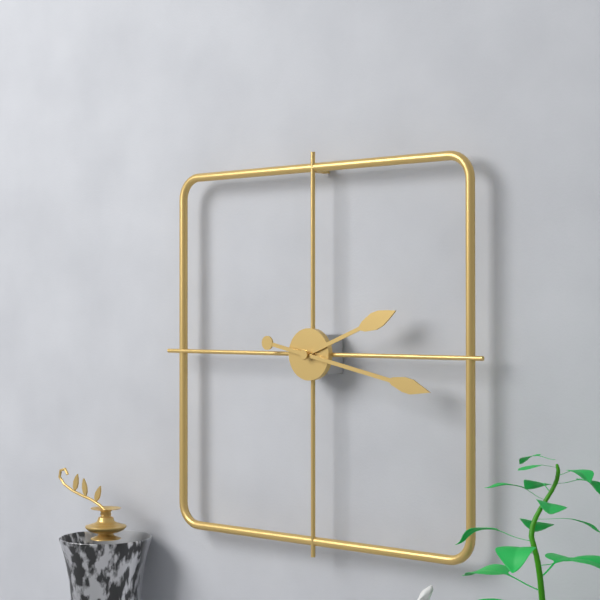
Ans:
2.17
